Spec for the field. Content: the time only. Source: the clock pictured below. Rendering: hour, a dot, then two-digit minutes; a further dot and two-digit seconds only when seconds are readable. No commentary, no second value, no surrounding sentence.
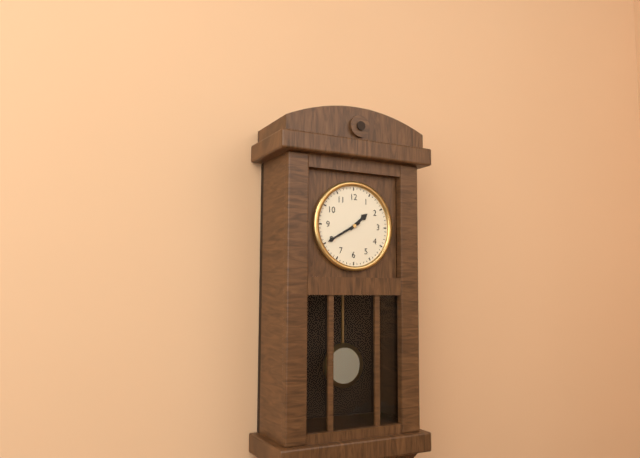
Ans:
1.40
